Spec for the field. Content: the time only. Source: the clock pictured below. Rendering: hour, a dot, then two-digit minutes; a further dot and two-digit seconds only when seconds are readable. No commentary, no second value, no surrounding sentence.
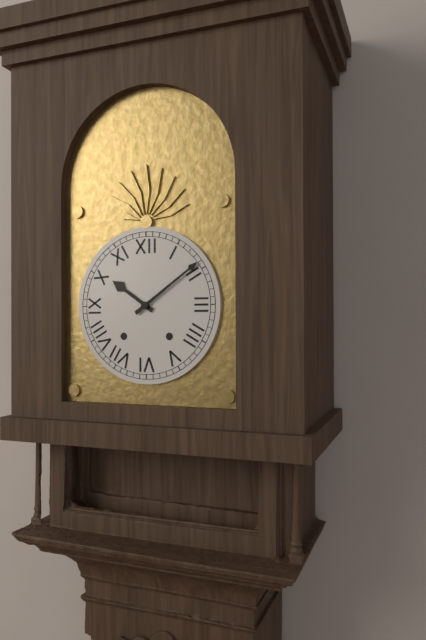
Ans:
10.09
